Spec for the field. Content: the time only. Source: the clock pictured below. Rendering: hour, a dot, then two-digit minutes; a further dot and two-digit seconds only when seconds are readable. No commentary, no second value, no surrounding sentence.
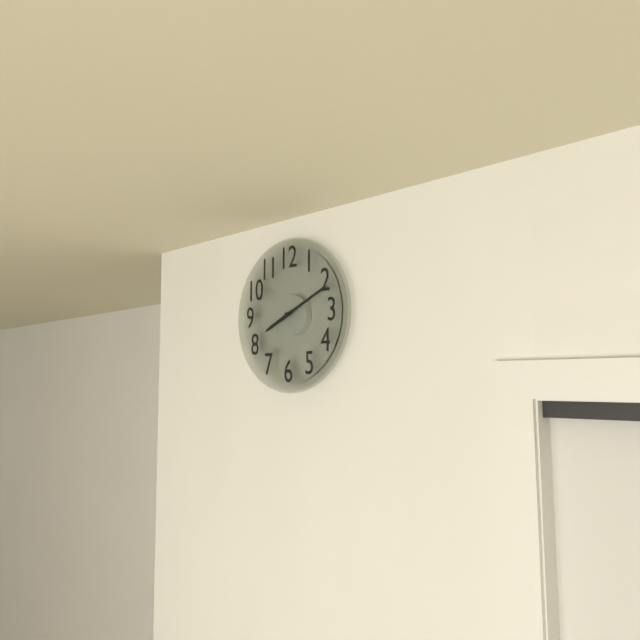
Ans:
8.11
